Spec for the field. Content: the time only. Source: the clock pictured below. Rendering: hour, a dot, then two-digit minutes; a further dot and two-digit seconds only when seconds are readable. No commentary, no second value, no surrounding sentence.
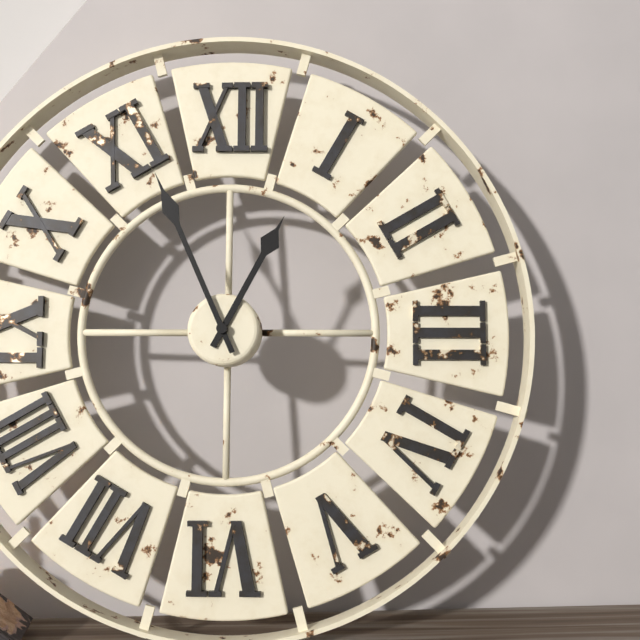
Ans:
12.56
